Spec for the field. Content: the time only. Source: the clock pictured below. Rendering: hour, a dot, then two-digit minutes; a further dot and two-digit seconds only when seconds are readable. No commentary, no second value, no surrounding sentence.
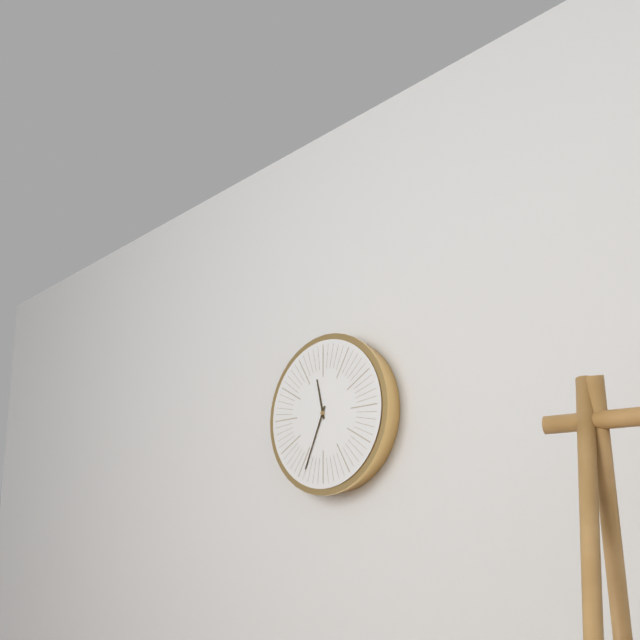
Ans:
11.34
